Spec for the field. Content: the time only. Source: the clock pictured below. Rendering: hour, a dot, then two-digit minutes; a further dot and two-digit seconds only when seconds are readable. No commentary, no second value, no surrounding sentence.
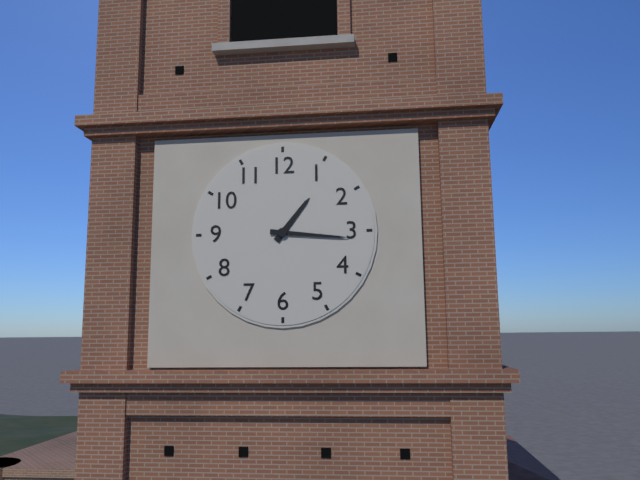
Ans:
1.16
